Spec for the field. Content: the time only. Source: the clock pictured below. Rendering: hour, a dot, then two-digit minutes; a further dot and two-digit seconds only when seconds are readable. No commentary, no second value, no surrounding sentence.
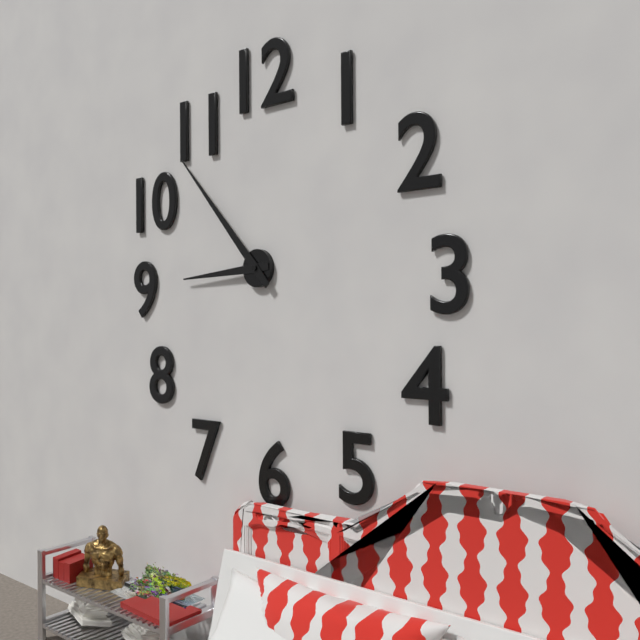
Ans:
8.53
